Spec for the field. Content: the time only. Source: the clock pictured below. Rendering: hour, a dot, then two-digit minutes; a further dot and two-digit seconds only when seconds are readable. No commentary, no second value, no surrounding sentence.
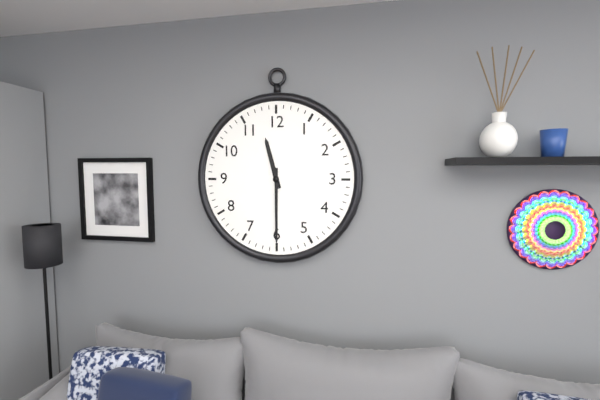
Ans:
11.30
